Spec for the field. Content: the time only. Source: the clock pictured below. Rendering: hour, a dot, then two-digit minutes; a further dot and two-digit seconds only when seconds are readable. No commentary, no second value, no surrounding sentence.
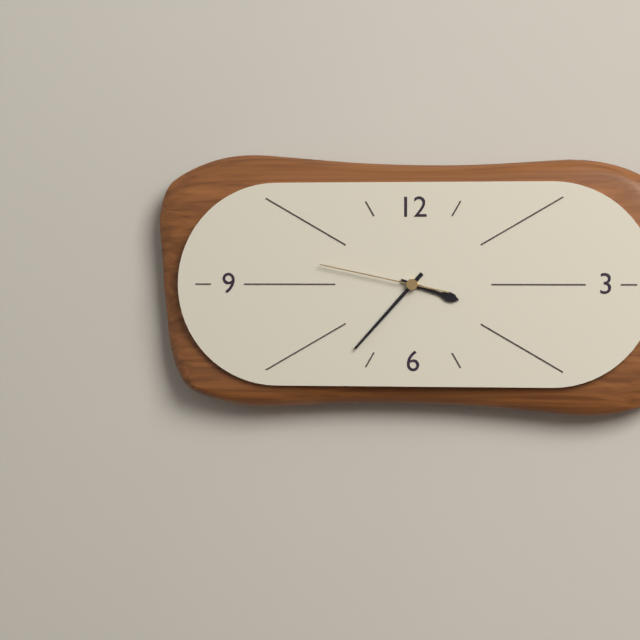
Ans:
3.37.47
